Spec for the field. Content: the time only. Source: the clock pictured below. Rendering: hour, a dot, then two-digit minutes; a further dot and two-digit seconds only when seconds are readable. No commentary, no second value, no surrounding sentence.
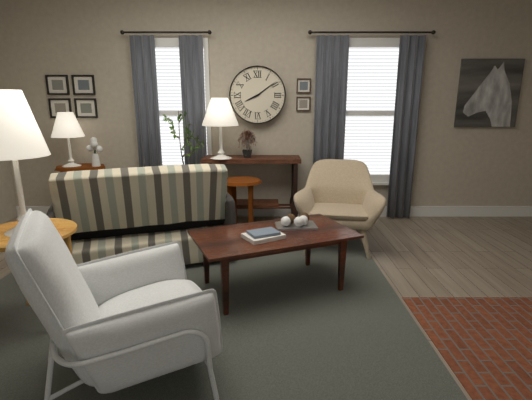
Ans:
8.09
